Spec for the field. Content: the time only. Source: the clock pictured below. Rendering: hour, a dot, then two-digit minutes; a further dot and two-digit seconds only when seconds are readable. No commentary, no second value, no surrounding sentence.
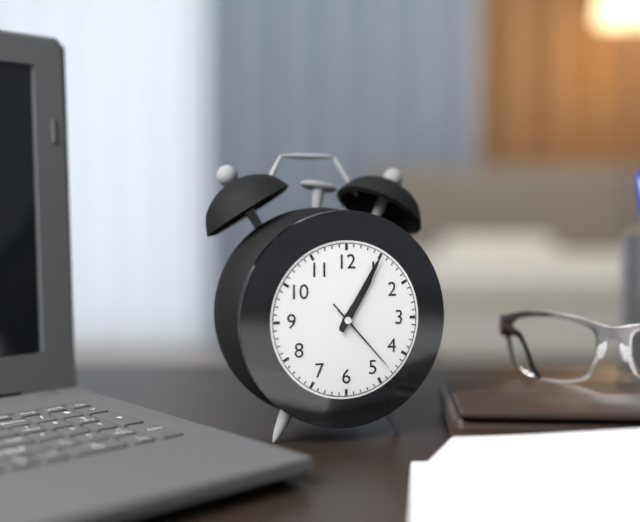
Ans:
1.05.23
